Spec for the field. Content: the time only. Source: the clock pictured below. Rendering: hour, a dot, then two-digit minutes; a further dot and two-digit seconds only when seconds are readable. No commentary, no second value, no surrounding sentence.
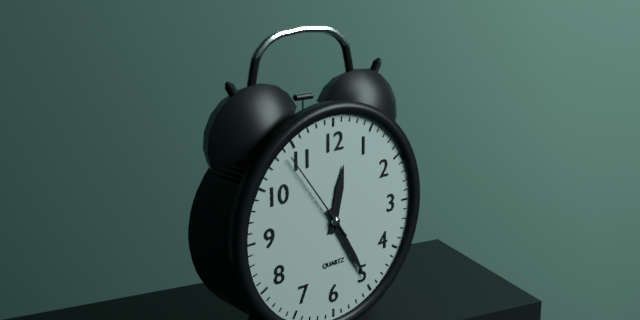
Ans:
12.25.54
